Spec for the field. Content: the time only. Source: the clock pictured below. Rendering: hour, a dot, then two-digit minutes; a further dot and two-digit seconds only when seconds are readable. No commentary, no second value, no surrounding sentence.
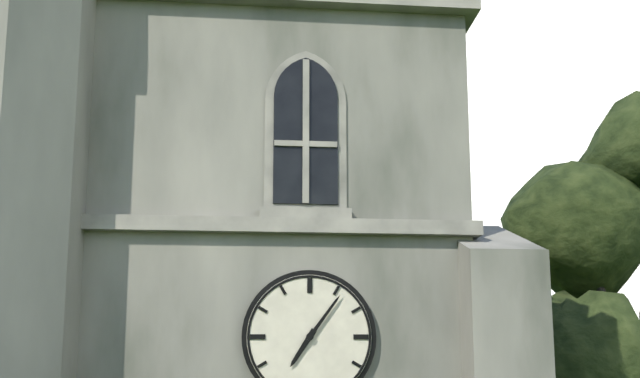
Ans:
7.06
